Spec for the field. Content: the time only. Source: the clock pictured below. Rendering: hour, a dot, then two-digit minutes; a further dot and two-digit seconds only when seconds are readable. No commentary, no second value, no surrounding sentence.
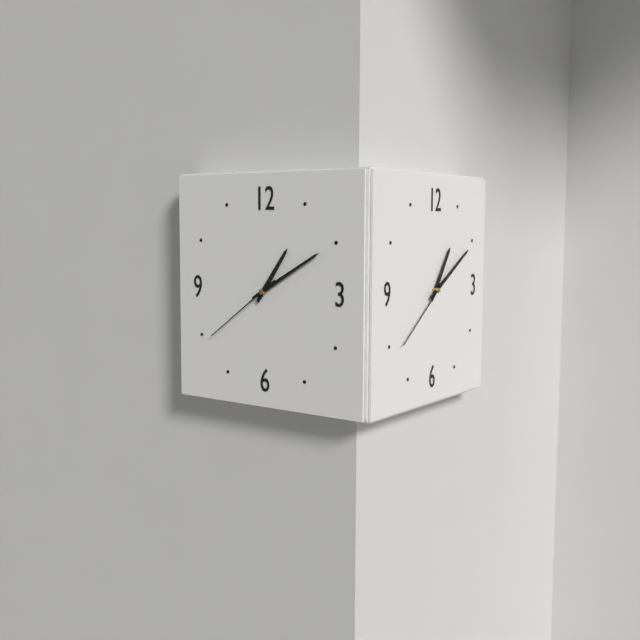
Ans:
1.10.39
